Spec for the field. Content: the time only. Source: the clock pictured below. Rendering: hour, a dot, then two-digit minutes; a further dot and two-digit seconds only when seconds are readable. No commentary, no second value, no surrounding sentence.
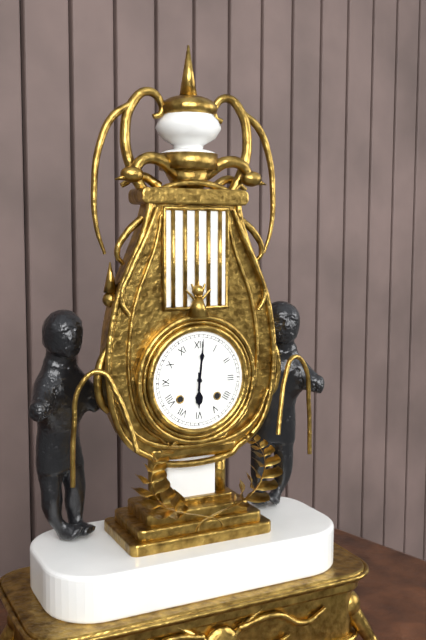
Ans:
6.01
